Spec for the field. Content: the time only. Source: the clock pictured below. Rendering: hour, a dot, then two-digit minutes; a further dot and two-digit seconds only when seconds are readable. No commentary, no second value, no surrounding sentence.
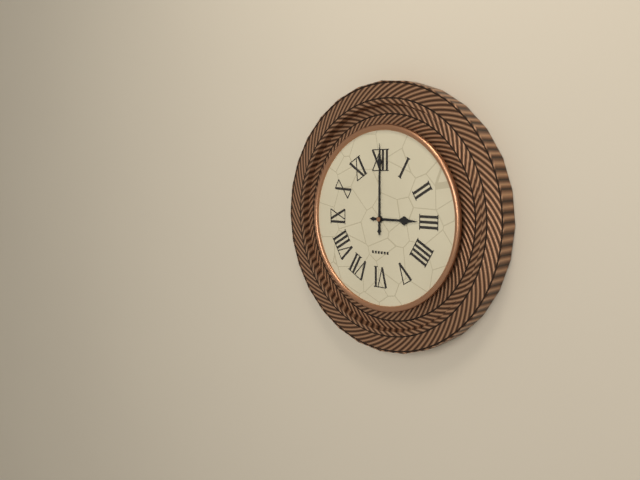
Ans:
3.00
